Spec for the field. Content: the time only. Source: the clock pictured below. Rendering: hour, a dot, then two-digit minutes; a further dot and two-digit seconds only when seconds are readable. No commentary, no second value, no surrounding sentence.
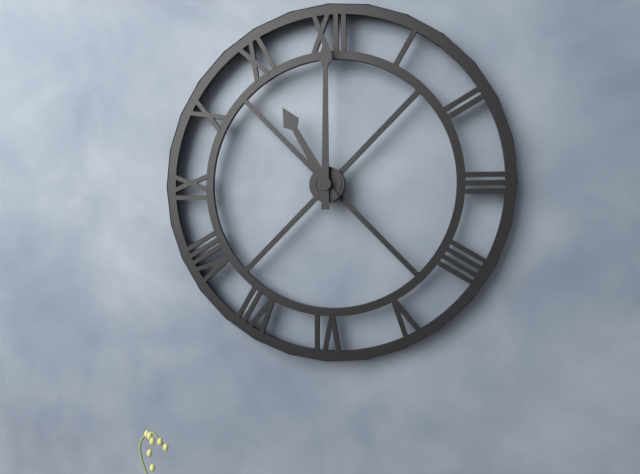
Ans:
11.00
